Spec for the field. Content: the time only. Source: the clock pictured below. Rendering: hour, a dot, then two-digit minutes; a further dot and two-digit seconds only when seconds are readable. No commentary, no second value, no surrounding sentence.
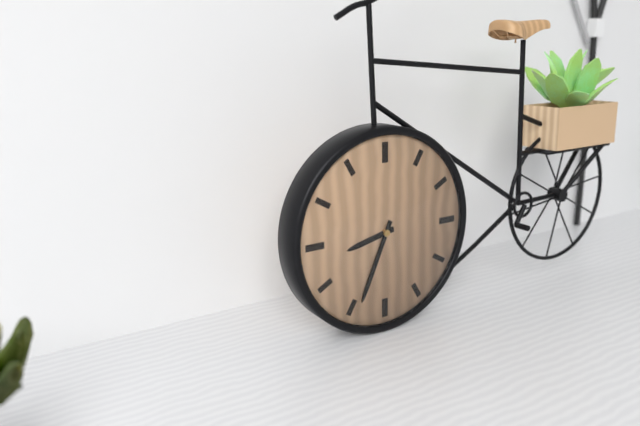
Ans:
8.34
